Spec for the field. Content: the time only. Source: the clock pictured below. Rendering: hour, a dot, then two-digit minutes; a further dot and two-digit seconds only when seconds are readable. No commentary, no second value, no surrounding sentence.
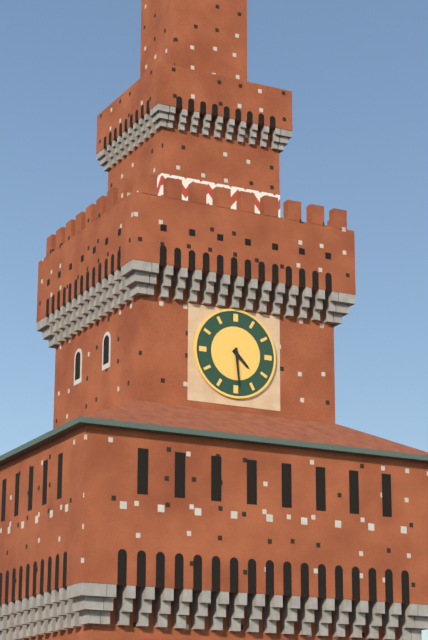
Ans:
4.29
